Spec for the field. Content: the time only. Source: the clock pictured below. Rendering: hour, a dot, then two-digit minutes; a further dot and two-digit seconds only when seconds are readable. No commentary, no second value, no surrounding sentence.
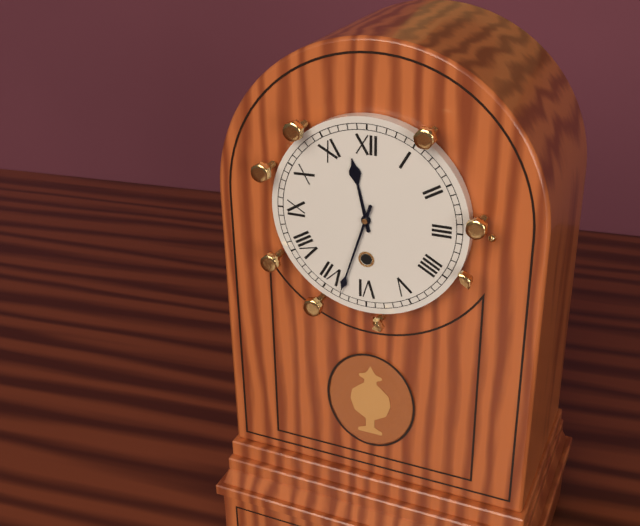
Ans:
11.33
